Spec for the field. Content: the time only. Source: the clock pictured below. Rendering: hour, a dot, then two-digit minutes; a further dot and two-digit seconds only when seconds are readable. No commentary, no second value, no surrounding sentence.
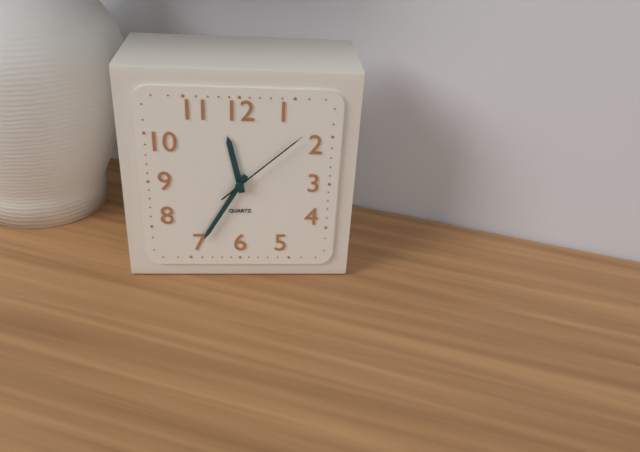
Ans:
11.35.08
